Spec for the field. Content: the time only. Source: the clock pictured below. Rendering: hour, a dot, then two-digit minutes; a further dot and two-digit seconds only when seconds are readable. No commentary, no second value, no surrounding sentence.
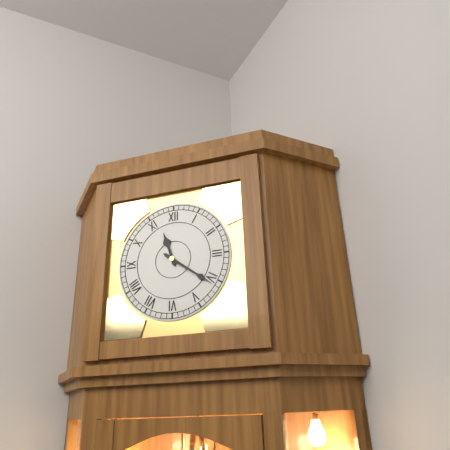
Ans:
11.21
